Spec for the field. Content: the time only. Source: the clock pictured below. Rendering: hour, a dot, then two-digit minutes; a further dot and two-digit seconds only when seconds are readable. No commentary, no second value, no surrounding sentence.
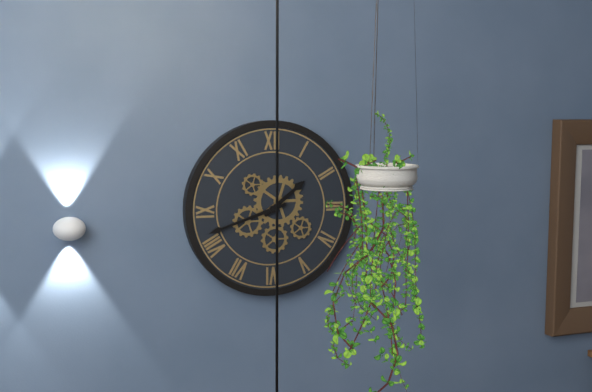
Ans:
1.42
